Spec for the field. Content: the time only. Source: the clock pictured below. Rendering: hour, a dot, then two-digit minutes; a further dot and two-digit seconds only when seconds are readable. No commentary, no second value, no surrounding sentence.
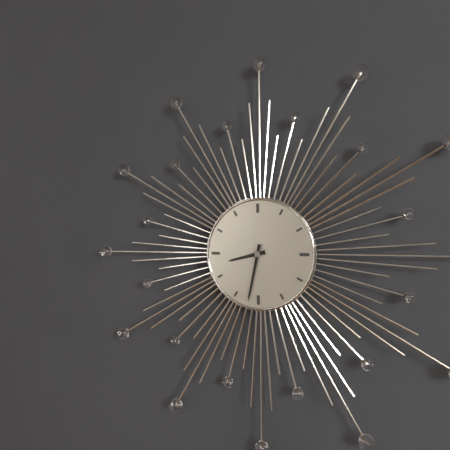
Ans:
8.32
